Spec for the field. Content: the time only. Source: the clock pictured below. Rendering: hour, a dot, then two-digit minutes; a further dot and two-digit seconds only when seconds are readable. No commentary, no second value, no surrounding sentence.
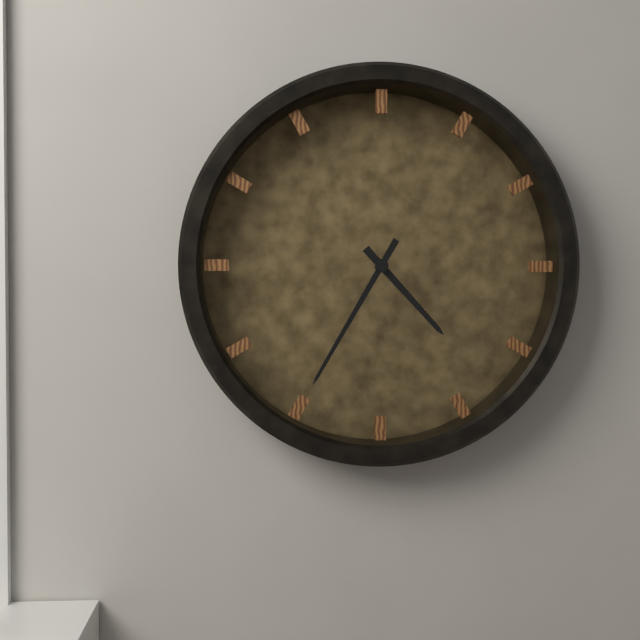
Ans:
4.35
